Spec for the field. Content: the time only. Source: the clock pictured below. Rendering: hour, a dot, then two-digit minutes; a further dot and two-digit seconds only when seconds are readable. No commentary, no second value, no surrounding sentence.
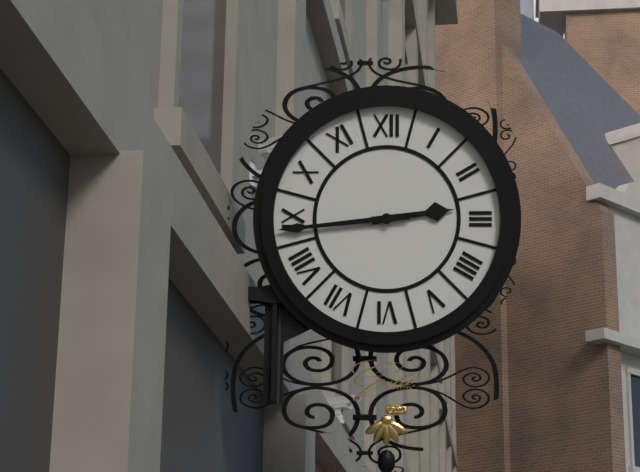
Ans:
2.44
